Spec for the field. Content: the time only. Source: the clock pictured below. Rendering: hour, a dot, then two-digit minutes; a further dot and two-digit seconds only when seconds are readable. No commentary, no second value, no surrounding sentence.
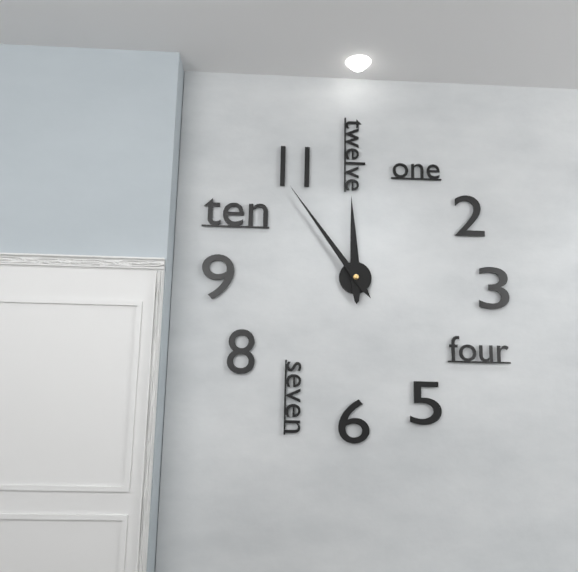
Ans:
11.54
